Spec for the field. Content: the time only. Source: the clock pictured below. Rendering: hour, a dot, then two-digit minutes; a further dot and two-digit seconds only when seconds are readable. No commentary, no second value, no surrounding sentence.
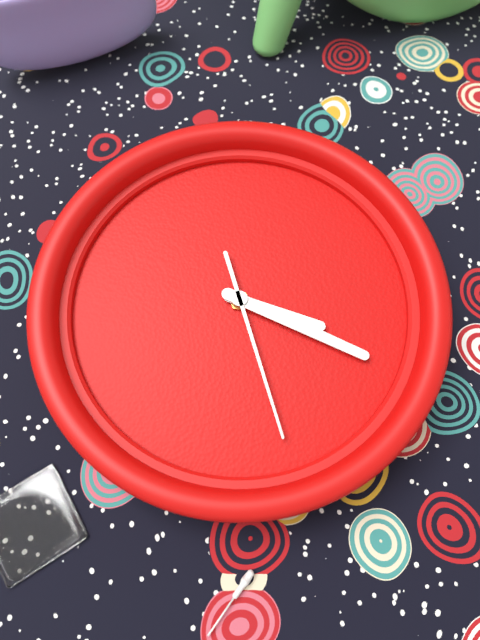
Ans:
4.23.31
